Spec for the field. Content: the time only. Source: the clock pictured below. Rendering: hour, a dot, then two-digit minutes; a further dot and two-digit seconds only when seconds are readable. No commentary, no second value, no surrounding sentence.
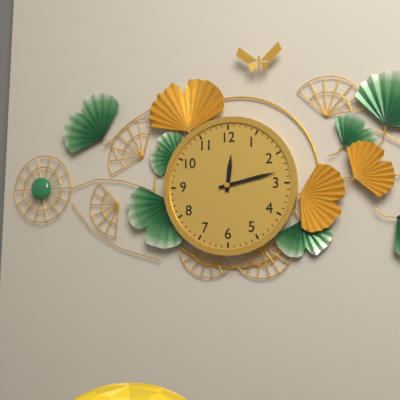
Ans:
12.13
